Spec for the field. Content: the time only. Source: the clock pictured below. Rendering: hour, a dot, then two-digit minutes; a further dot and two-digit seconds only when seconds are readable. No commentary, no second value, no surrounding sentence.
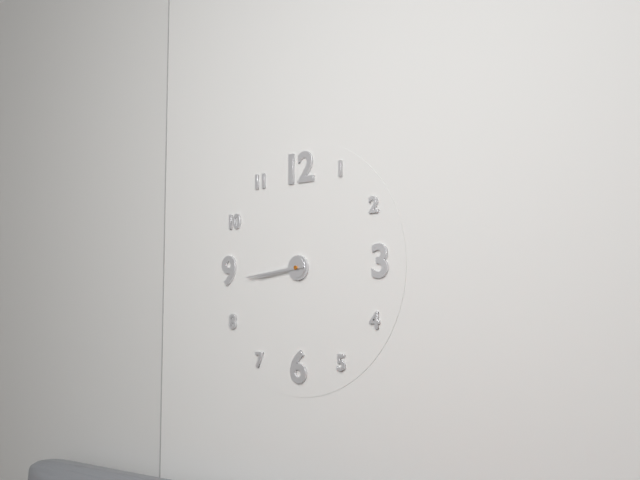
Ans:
8.44
